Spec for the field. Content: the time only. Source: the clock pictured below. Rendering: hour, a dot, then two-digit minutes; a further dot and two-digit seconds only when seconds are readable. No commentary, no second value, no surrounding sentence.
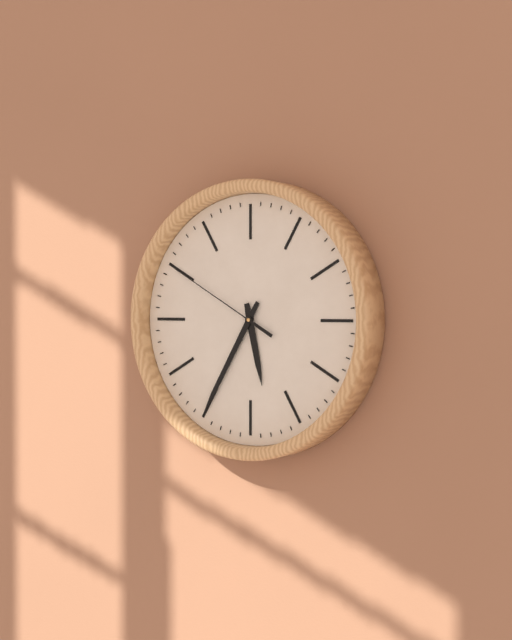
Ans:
5.35.50
